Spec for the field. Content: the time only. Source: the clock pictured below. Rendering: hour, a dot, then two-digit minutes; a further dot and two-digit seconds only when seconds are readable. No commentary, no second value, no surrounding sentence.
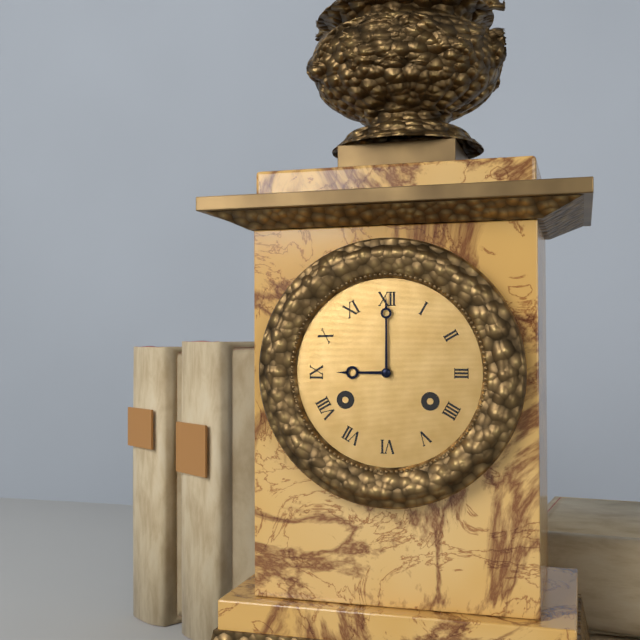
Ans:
9.00
